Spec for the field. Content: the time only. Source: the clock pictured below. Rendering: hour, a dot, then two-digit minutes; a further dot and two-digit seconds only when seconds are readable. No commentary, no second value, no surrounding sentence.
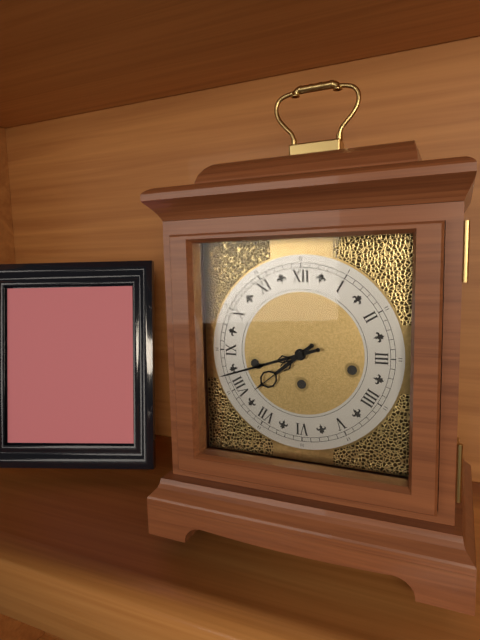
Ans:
7.42
